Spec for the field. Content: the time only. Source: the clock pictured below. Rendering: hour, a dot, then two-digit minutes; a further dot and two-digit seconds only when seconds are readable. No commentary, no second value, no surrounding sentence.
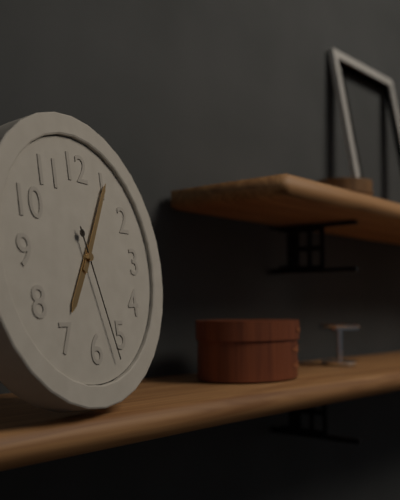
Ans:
7.05.27
